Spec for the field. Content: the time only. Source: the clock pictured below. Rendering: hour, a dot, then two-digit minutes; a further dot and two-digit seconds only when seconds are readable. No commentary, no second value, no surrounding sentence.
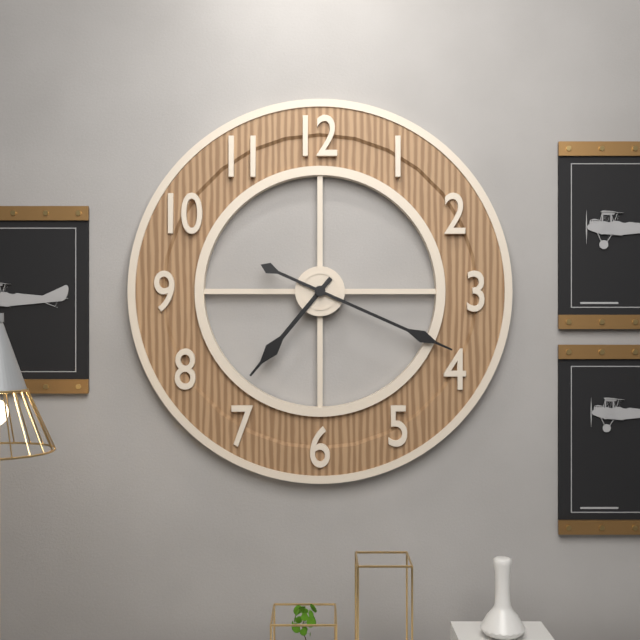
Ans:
7.19
